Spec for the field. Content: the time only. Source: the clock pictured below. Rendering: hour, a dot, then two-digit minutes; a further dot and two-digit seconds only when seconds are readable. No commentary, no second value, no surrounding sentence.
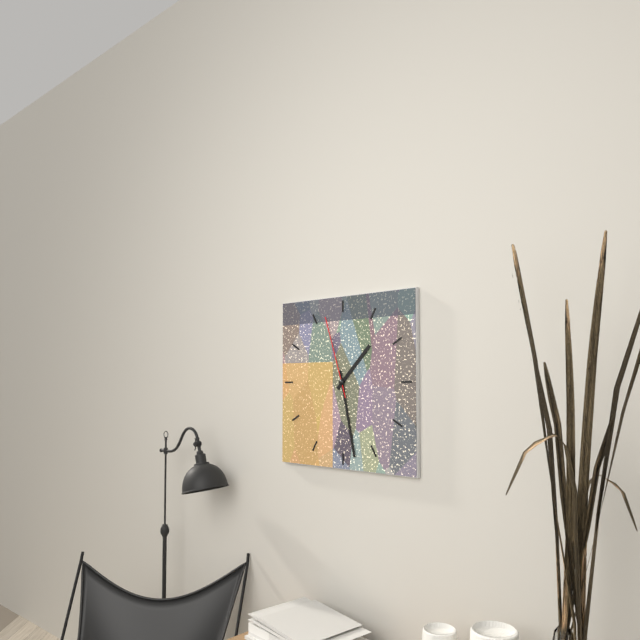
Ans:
1.28.57
